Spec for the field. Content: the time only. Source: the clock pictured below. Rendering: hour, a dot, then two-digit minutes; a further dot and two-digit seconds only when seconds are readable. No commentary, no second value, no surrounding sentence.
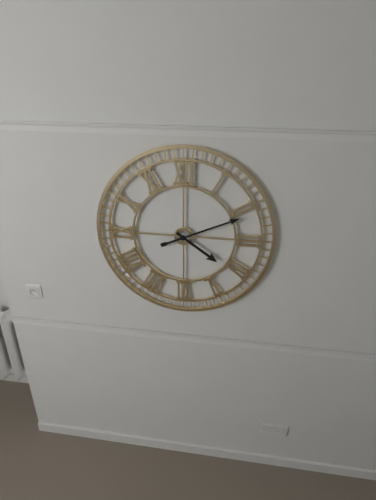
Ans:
4.11
